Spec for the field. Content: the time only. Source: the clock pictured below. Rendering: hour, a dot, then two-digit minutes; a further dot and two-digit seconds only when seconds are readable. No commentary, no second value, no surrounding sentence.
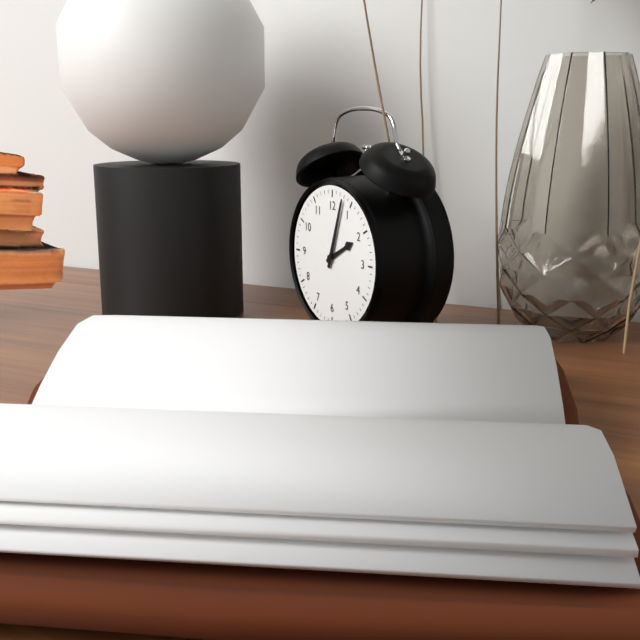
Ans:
2.03
